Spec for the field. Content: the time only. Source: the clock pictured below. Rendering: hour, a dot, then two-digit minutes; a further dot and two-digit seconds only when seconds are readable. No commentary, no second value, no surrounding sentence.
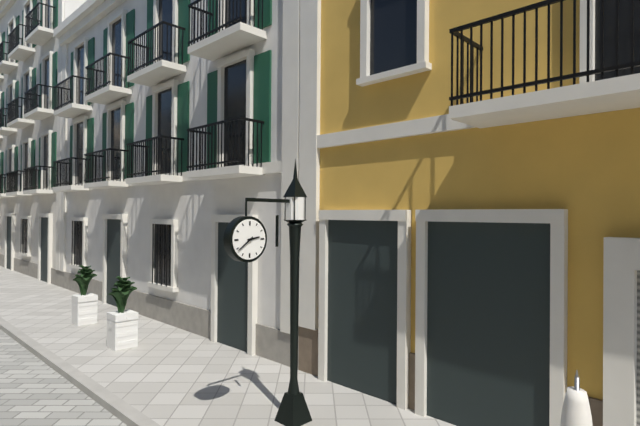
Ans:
2.39
